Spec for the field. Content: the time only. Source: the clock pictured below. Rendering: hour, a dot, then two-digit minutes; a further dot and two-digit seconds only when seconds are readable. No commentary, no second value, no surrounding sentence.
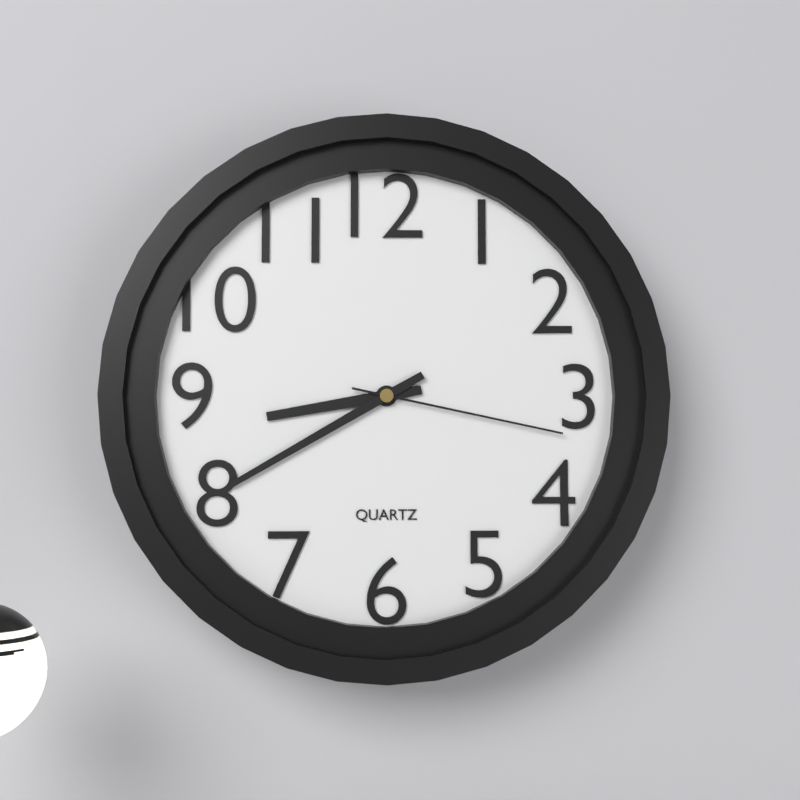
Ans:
8.40.17
